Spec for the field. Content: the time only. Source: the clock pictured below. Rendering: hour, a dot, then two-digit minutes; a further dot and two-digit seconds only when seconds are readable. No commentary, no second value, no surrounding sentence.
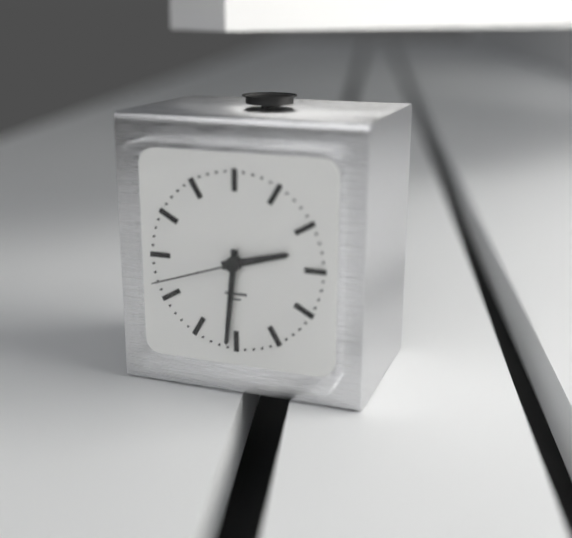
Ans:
2.31.42
